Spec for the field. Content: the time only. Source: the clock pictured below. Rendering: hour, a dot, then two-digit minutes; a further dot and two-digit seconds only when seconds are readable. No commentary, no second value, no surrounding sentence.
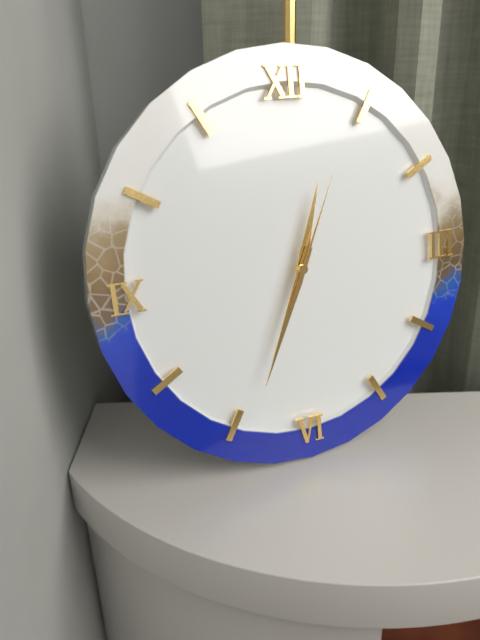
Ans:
12.34.04
